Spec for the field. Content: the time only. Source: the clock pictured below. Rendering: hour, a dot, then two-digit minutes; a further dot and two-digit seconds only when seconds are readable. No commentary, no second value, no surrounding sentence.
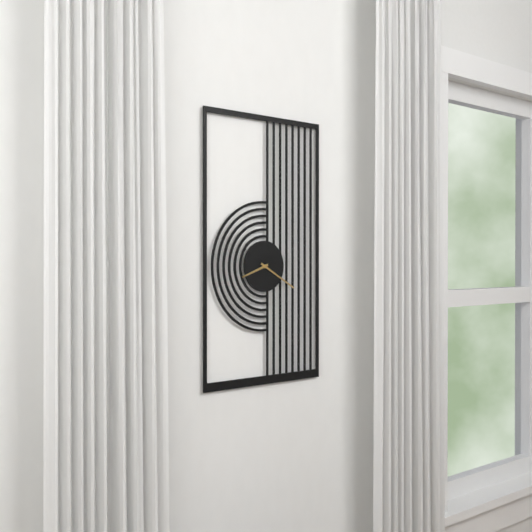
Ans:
8.20
